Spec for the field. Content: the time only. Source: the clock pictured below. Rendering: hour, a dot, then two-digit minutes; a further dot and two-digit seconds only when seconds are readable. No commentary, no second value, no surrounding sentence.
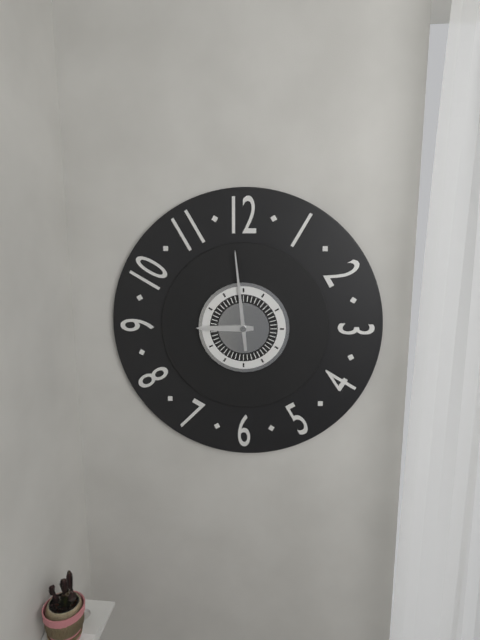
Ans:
8.59
